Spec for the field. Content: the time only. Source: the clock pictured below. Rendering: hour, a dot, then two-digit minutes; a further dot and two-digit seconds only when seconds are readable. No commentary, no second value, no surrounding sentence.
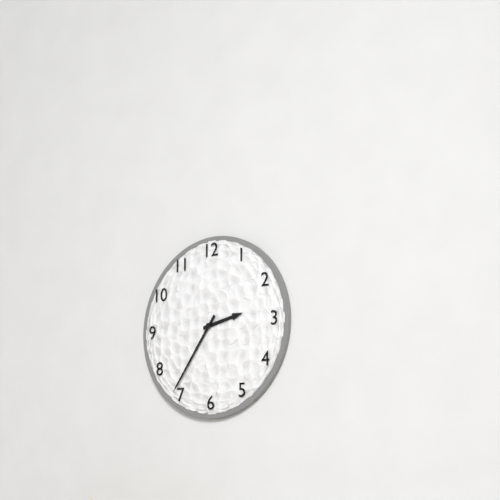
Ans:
2.36
